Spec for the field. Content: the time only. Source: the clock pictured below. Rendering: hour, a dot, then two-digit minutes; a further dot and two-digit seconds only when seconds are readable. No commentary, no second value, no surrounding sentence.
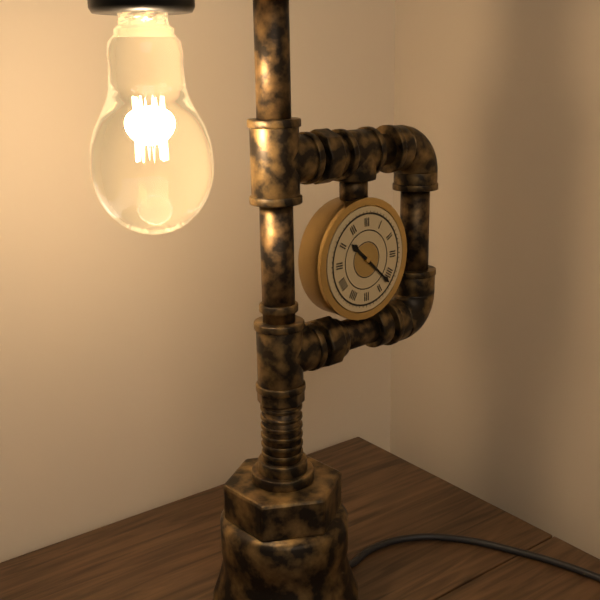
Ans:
10.22
